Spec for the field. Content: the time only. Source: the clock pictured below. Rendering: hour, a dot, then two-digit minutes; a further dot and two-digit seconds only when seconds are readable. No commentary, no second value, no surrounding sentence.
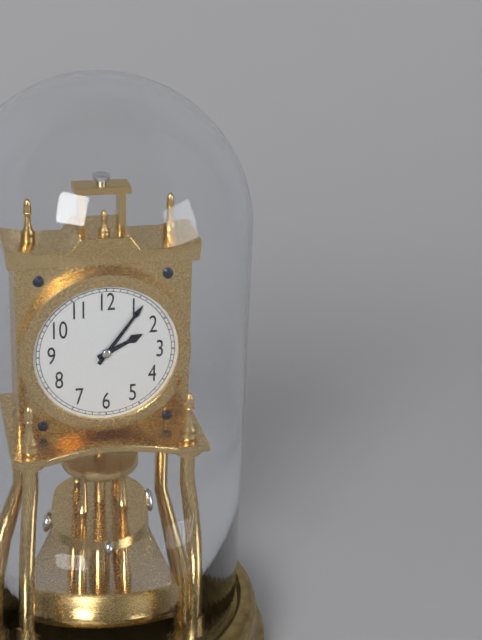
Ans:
2.06
